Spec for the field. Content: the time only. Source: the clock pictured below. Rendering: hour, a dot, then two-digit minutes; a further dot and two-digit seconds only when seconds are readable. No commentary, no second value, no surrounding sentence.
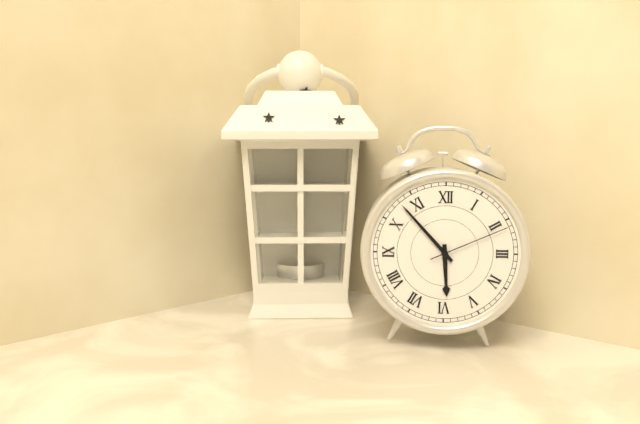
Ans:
5.53.11
